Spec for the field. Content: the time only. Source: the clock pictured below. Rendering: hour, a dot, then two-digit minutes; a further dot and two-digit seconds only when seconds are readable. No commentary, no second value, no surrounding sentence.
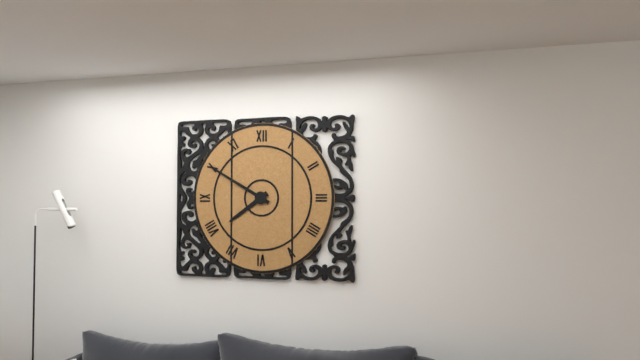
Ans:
7.50
